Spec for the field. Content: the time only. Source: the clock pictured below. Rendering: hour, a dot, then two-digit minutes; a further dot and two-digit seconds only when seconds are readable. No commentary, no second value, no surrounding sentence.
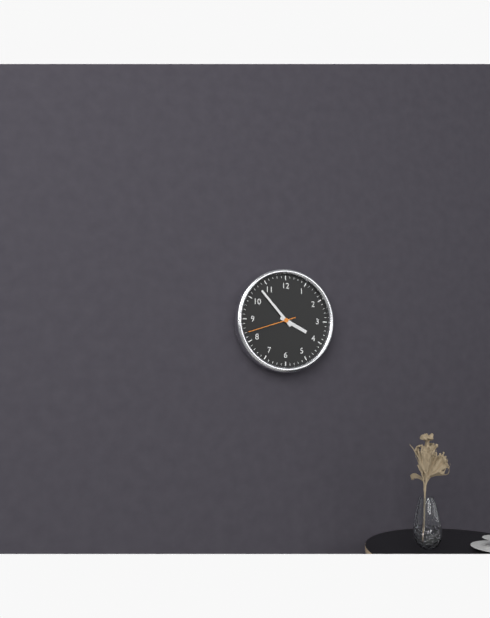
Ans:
3.53
